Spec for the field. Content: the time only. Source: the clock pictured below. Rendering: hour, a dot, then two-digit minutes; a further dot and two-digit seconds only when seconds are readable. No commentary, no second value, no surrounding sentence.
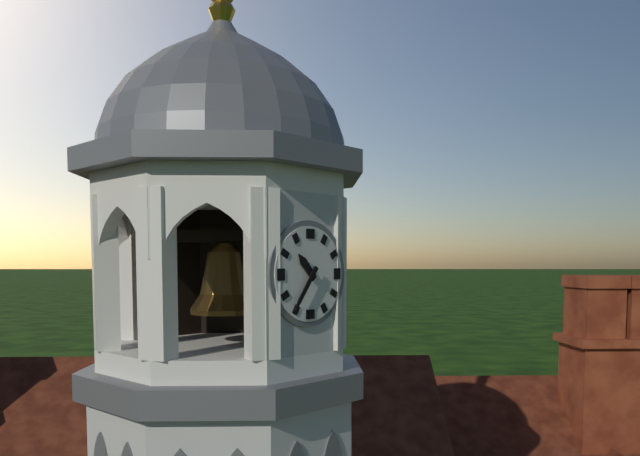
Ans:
10.36
